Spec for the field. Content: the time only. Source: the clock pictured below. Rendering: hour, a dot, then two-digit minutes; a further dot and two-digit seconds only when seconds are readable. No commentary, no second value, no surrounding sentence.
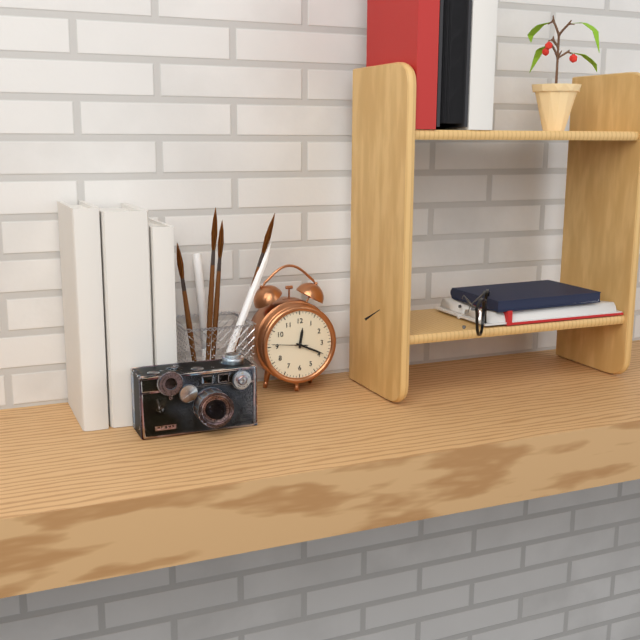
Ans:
12.19
